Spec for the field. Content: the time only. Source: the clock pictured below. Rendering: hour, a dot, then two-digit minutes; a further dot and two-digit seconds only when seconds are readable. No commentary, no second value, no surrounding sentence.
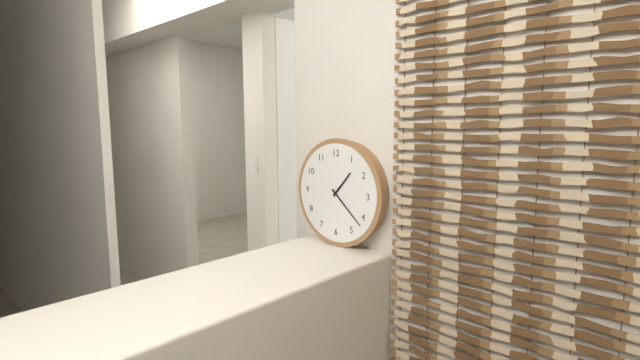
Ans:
1.22
